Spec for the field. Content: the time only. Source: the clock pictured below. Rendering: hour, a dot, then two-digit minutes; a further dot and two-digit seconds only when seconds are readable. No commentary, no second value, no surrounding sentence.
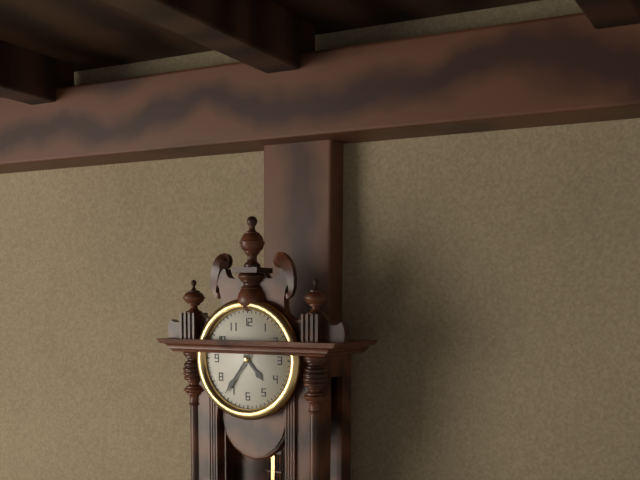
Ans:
4.36
